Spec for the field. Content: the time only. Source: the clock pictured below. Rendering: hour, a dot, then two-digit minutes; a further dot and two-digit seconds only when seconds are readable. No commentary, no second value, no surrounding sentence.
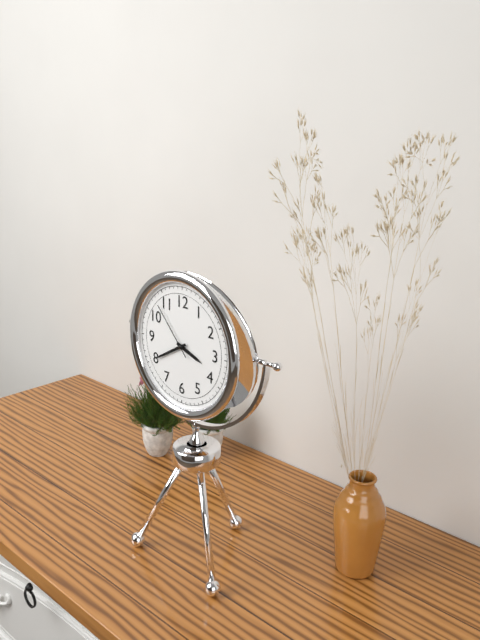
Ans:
3.40.53
